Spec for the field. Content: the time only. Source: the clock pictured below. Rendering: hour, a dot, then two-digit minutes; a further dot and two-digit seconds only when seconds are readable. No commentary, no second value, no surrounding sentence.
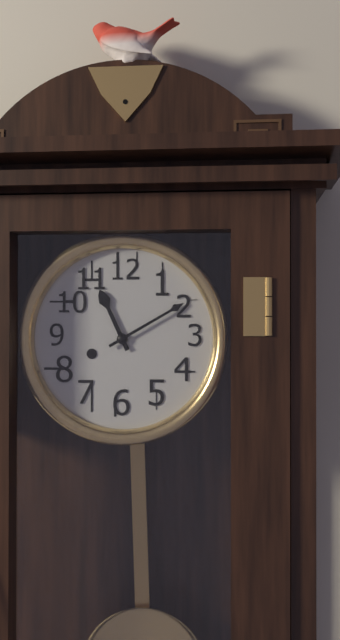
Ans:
11.10
